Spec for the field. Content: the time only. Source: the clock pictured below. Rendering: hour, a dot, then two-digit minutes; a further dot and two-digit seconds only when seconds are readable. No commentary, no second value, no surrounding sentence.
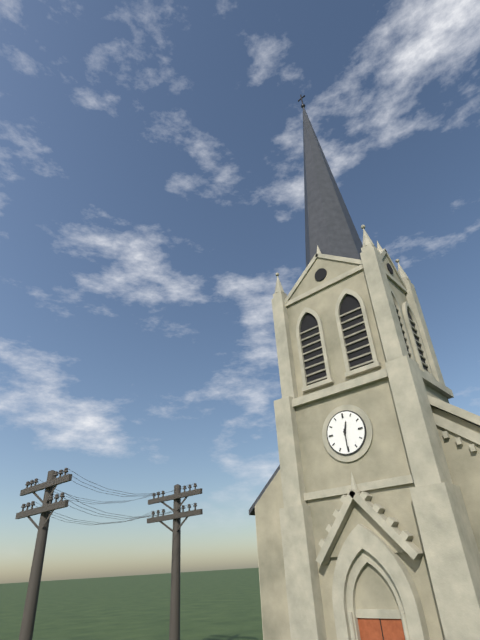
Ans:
12.30
